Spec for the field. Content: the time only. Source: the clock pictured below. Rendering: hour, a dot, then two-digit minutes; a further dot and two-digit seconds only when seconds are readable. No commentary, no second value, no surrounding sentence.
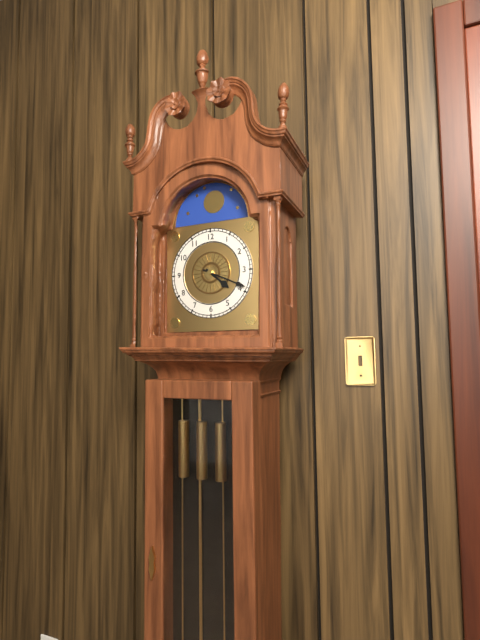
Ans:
4.19
